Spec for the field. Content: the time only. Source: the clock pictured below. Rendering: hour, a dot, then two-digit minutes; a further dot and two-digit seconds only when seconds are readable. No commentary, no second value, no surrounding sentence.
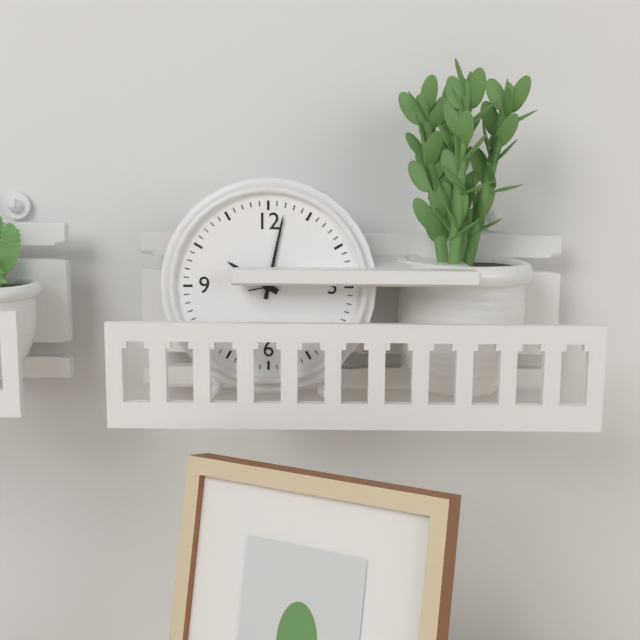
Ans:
10.02
